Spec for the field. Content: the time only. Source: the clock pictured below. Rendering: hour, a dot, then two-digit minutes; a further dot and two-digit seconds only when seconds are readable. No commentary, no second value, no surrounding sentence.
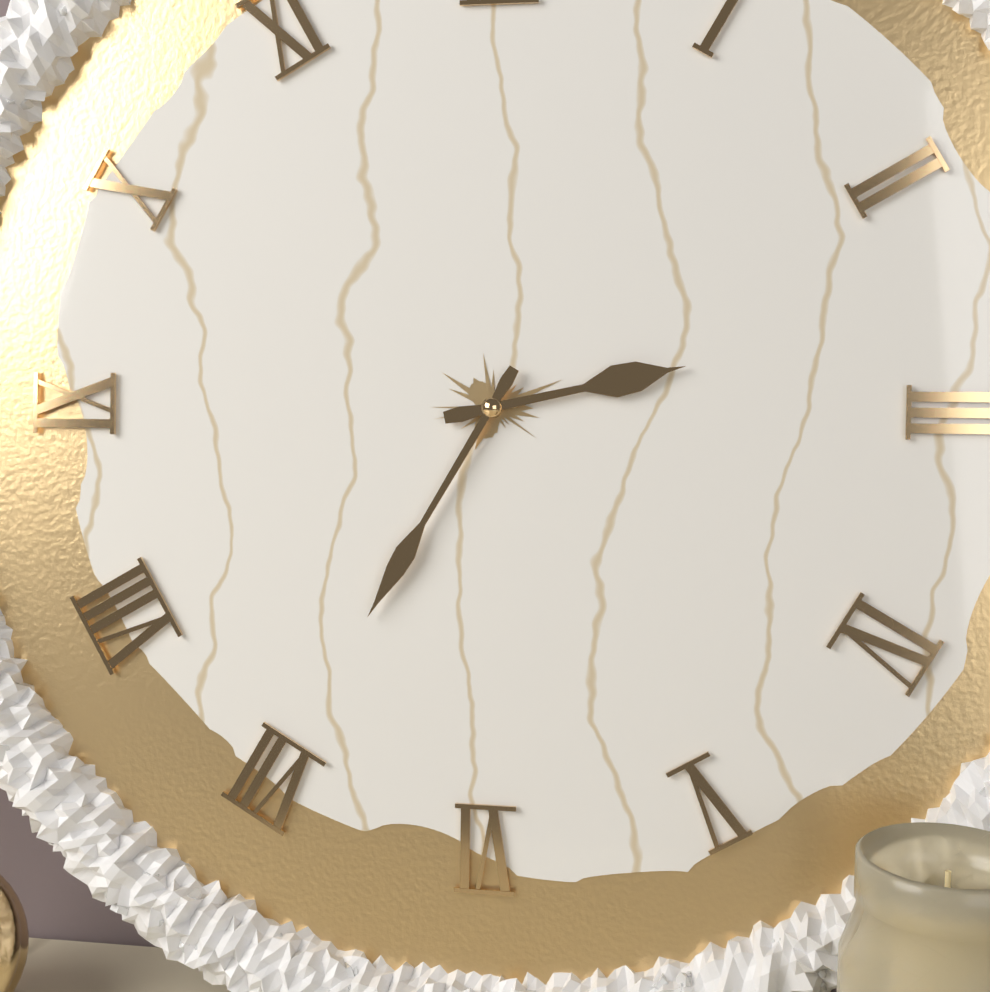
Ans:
2.35
